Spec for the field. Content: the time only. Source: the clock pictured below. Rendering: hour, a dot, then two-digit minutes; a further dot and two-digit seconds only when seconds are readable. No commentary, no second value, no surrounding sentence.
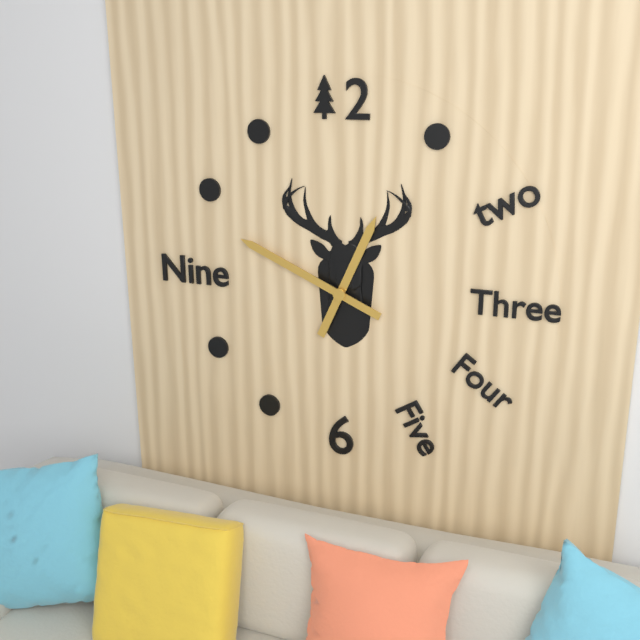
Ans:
12.49
